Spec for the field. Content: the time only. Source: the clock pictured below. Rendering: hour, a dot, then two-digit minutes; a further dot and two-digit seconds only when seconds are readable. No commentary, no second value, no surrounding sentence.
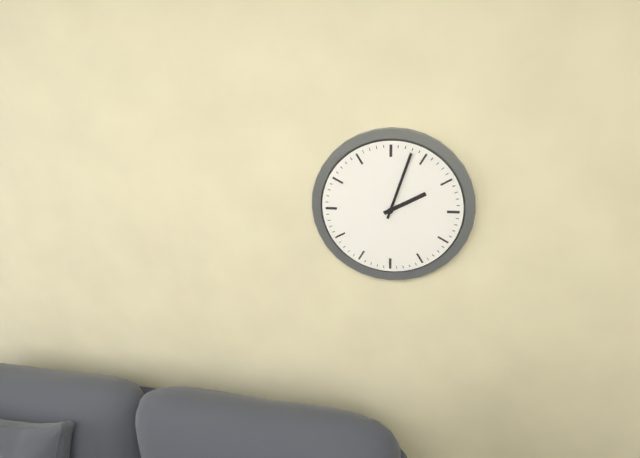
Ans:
2.03
